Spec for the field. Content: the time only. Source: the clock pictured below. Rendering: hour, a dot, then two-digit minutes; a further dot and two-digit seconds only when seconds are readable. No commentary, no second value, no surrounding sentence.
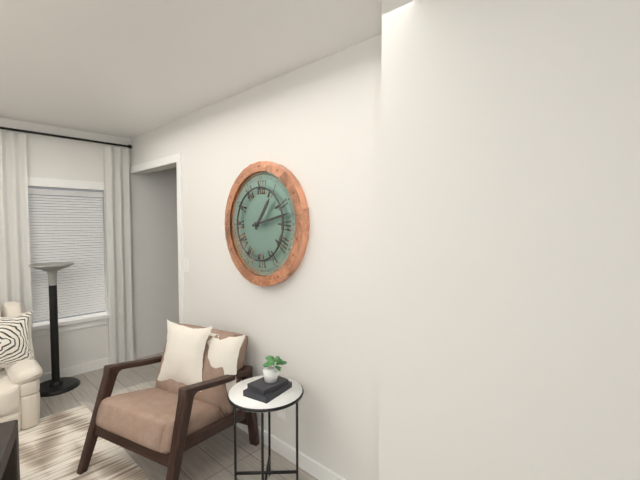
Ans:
1.13
